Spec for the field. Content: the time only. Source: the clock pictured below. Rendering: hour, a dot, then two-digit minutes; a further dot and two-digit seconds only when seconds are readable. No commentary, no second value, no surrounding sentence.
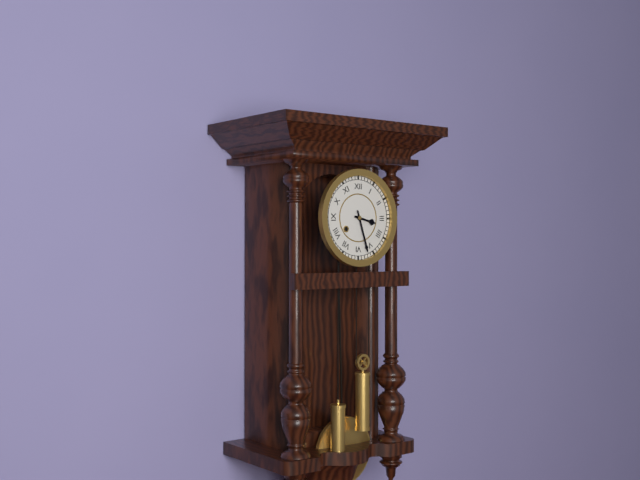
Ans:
3.27
